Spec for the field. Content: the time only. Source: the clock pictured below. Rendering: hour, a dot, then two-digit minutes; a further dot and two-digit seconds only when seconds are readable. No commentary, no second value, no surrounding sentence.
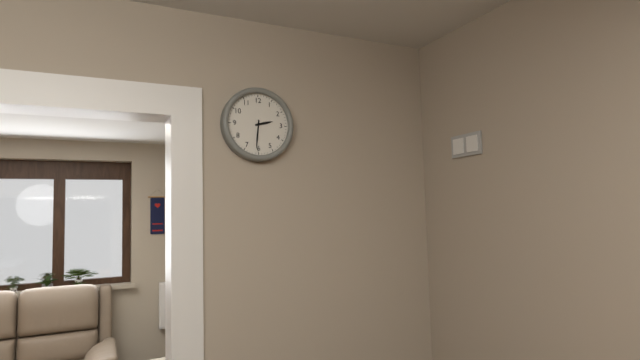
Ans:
2.31
